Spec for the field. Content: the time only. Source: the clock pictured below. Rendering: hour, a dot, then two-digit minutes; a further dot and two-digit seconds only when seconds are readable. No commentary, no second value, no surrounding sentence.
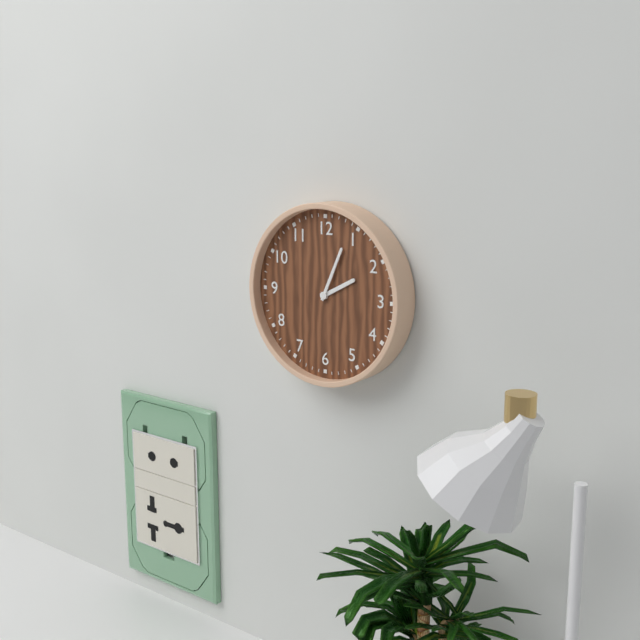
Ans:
2.04
